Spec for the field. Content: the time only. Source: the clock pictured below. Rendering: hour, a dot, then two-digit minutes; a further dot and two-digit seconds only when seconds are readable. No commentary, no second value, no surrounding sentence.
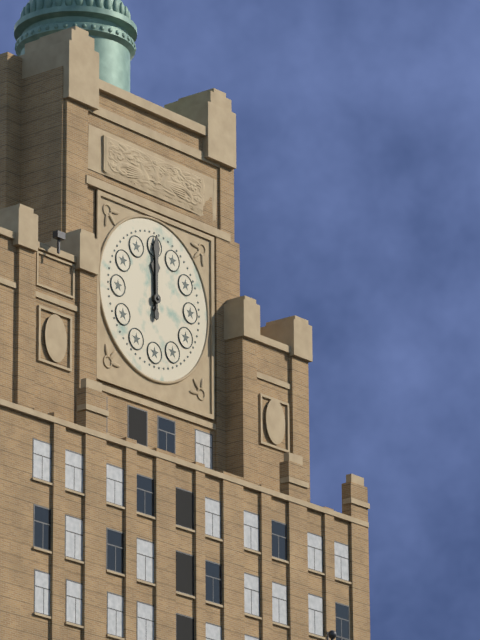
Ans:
12.00
